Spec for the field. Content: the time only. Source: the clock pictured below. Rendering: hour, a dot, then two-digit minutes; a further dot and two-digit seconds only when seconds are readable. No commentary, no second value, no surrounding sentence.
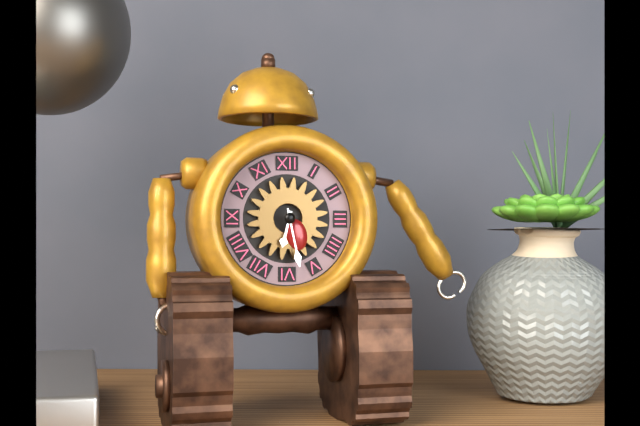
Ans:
6.28
